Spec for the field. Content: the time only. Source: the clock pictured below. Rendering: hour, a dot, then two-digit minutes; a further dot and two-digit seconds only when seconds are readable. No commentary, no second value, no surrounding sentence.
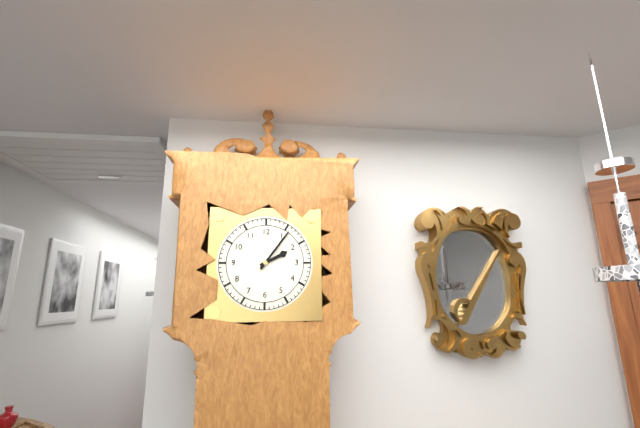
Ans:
2.06
